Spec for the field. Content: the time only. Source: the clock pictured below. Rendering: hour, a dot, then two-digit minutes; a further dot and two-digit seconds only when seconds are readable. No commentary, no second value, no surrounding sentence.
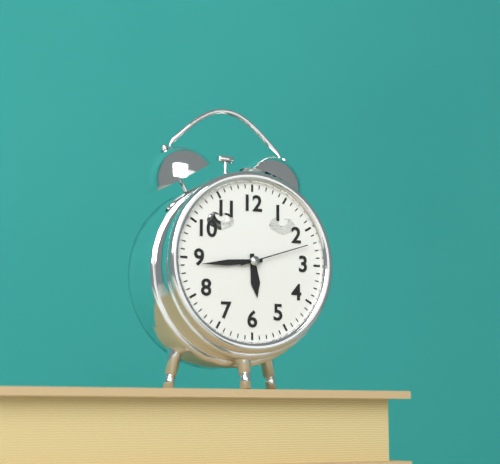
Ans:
5.44.12
